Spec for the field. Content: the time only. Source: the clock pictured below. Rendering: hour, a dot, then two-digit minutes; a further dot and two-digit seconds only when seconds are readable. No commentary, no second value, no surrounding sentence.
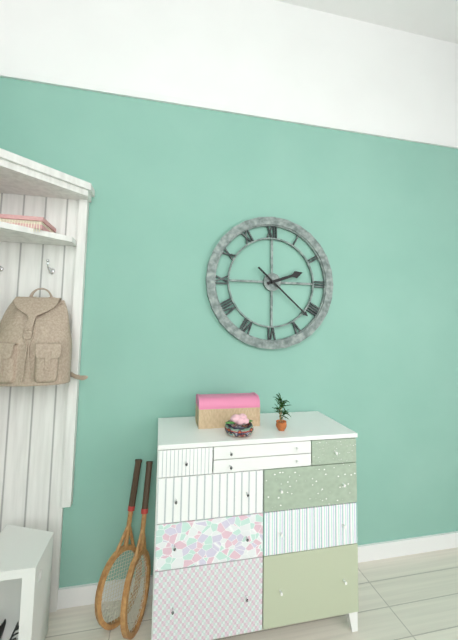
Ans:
2.22
